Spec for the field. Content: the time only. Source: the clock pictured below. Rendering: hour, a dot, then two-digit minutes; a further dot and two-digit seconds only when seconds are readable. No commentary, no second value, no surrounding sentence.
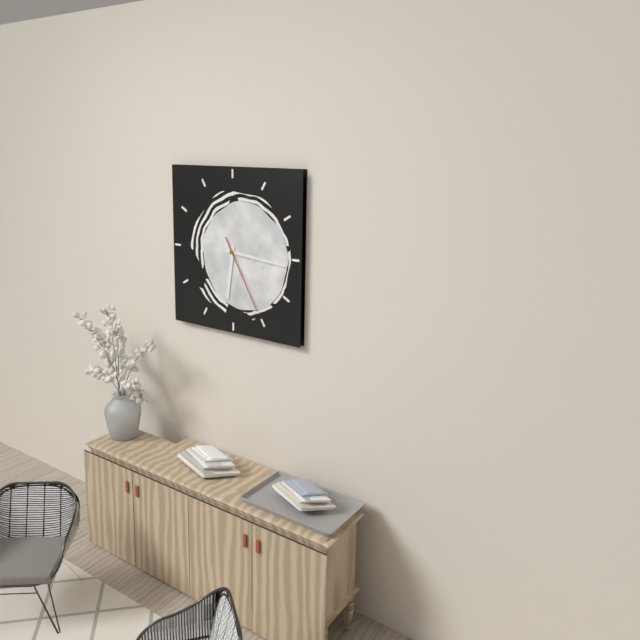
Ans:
6.16.25
